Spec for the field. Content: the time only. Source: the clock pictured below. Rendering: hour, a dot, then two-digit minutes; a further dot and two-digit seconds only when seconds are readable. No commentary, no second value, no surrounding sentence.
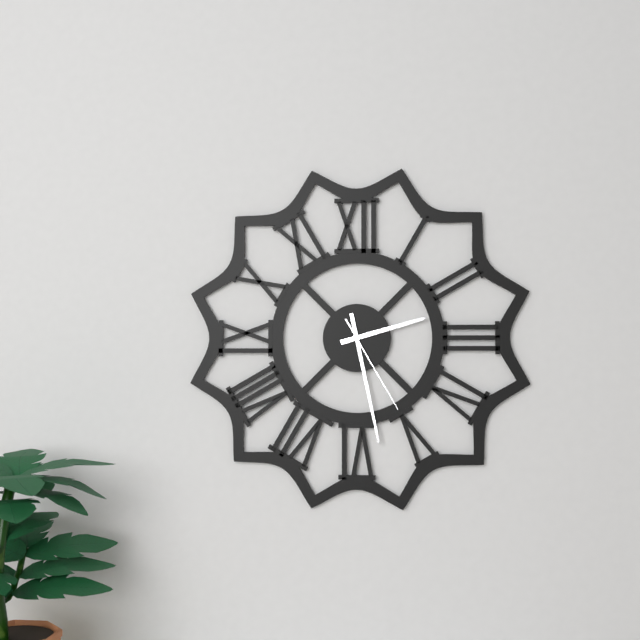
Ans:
2.28.25
